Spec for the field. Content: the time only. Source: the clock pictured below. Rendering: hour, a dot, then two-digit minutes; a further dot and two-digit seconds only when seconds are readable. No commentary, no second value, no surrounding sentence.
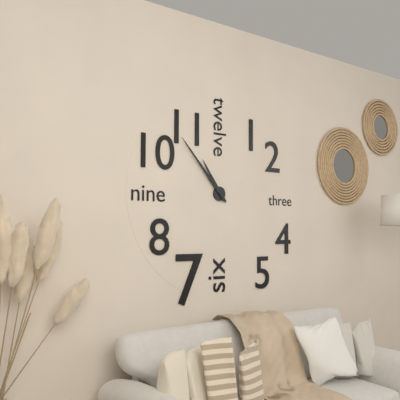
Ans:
10.53
